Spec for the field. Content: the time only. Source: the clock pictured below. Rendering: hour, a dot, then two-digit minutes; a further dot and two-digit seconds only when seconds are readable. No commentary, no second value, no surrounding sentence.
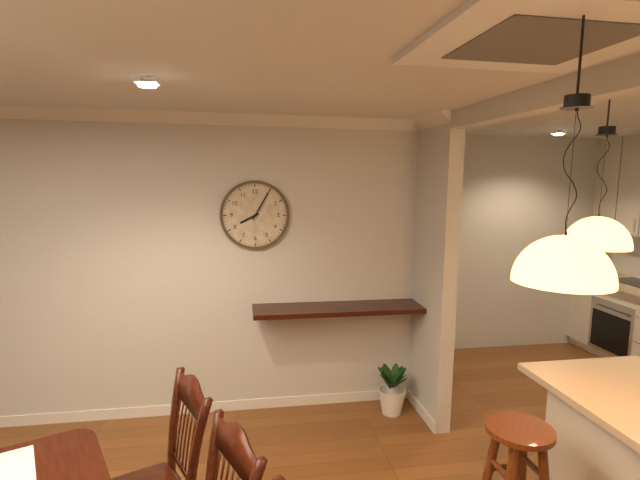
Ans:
8.05
